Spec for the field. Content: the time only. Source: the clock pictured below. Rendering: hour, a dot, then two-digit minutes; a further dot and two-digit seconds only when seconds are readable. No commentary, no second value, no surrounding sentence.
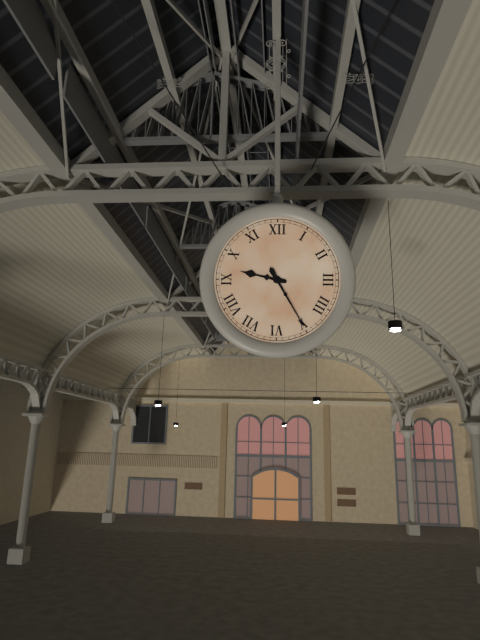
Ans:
9.25
